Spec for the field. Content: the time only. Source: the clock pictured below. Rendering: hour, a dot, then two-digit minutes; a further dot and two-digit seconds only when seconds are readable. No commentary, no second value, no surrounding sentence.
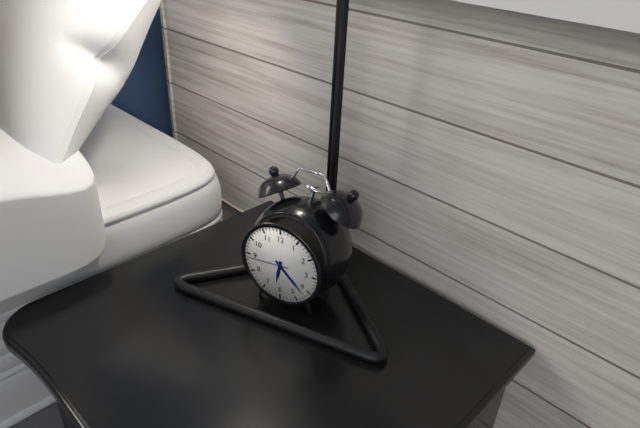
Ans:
6.22
